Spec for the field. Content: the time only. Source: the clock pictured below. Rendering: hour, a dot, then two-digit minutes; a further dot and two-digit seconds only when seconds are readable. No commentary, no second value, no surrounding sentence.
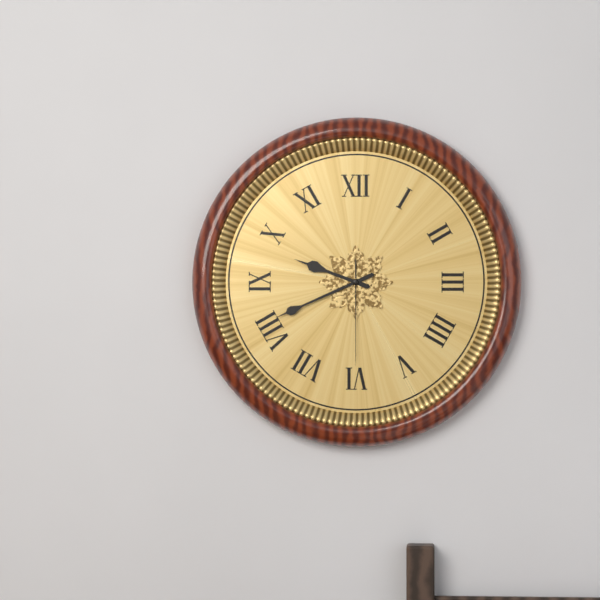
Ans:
9.41.30
